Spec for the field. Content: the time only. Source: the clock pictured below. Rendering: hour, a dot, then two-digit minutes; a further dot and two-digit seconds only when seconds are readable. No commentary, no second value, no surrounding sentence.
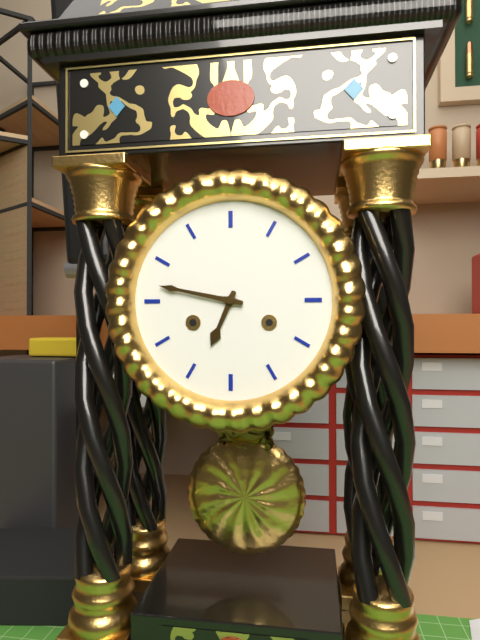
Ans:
6.47
